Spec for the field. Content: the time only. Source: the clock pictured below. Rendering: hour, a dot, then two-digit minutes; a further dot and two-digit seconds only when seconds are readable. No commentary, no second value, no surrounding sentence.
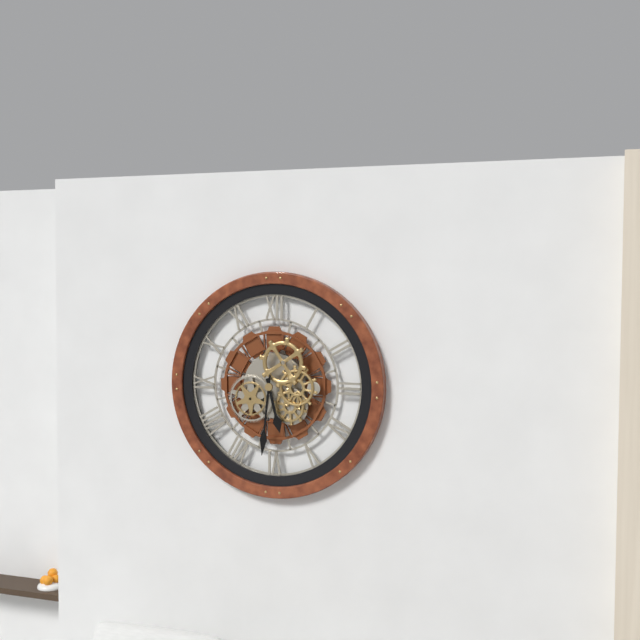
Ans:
5.31
